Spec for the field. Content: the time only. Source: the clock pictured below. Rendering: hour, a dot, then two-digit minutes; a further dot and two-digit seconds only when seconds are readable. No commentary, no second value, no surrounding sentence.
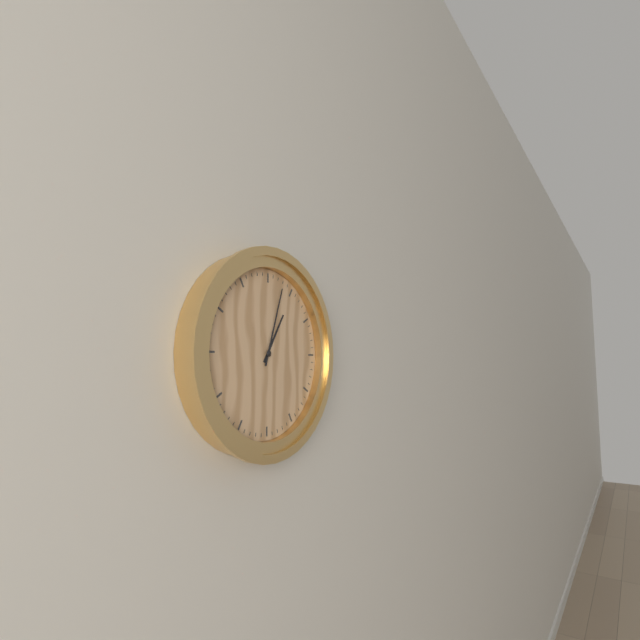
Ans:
1.03
